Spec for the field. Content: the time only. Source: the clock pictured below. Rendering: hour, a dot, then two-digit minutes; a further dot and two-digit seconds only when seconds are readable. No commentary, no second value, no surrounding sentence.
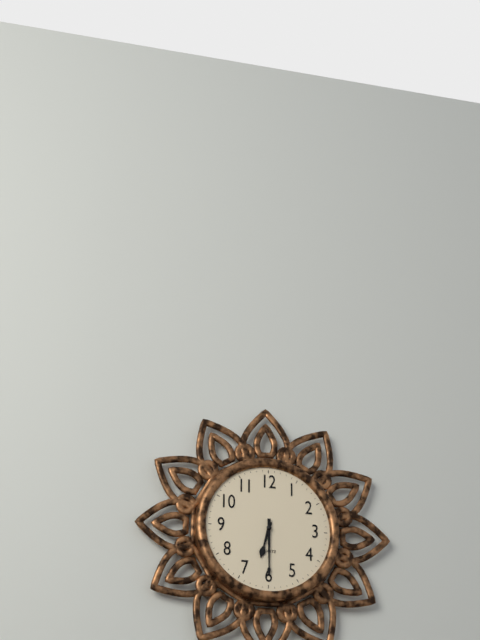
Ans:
6.30
